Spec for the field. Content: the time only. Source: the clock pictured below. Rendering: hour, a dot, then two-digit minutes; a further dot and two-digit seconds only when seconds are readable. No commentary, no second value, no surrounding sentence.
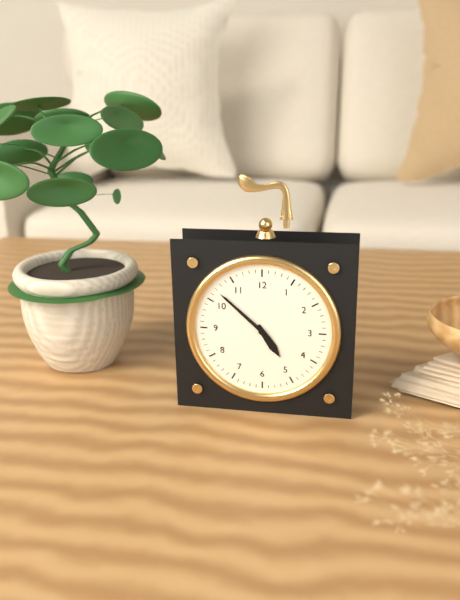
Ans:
4.52
